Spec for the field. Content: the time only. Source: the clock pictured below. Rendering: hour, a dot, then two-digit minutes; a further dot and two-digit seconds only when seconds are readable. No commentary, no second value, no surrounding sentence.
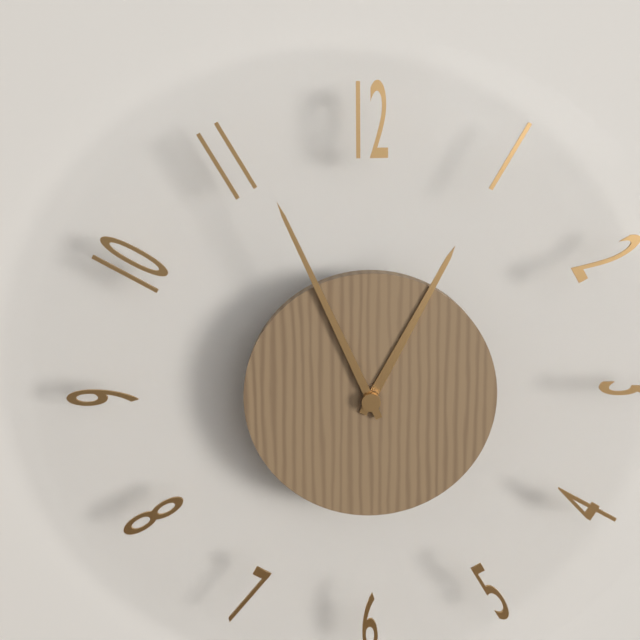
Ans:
12.56
